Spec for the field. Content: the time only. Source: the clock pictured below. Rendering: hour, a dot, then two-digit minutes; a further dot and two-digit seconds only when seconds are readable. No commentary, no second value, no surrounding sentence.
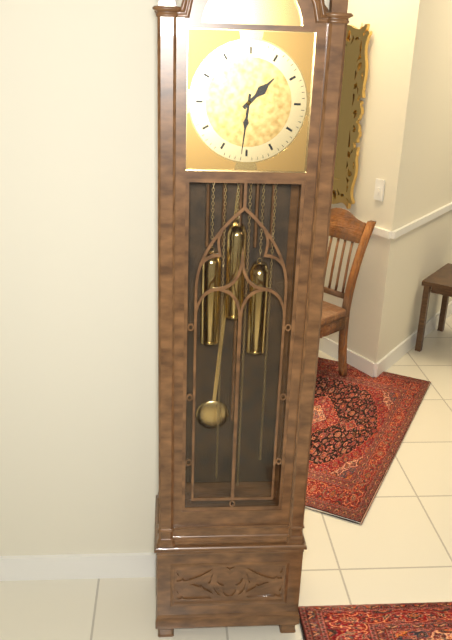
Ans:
1.31
